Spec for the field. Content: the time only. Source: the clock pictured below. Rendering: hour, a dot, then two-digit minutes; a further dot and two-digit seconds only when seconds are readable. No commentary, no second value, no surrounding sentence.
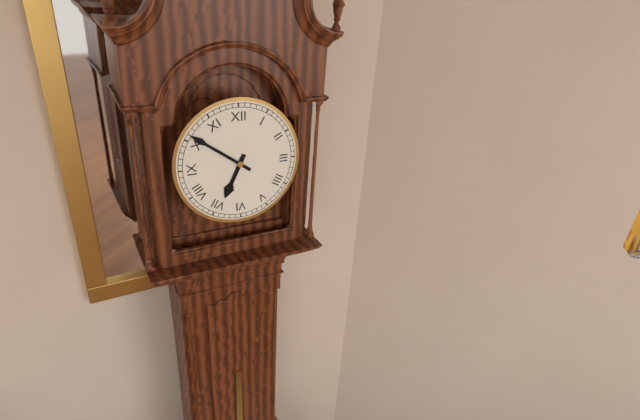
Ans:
6.51
